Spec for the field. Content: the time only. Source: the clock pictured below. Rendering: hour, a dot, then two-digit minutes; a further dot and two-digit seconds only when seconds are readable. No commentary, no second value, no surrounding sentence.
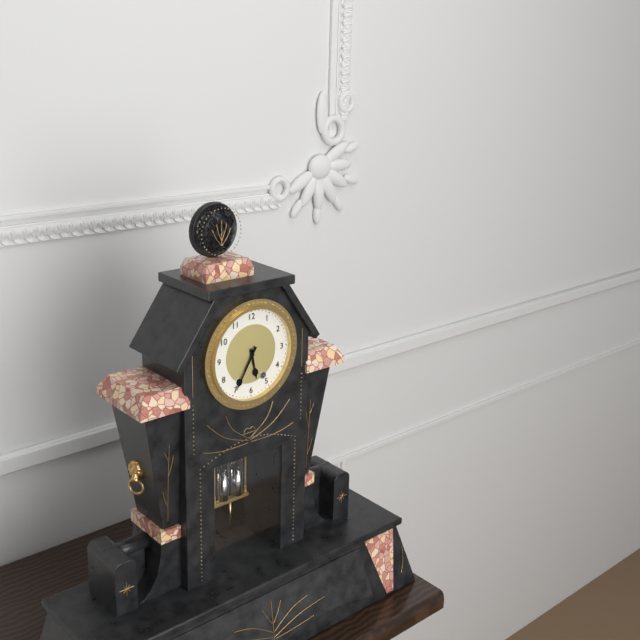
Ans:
5.35
